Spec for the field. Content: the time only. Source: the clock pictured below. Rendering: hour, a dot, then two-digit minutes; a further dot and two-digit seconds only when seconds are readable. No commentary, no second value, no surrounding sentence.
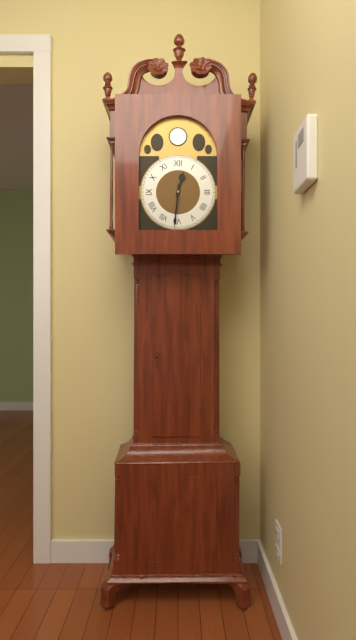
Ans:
12.31
